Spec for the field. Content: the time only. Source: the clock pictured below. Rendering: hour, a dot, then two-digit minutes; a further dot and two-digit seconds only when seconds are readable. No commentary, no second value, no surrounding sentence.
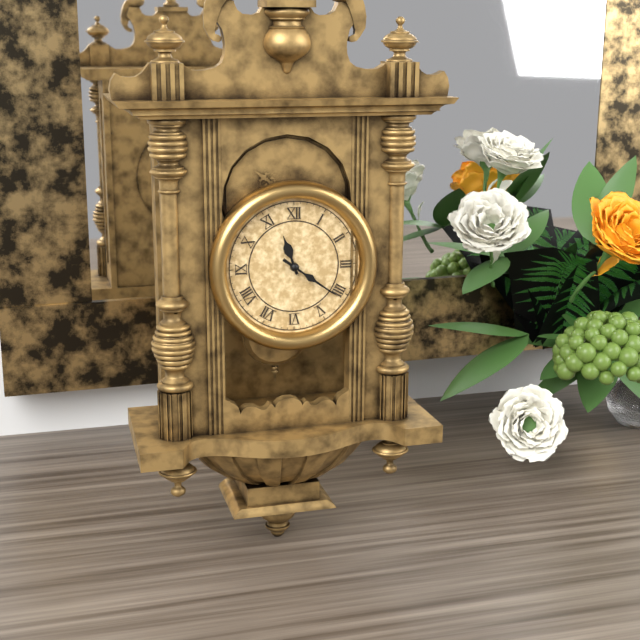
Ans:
11.21
